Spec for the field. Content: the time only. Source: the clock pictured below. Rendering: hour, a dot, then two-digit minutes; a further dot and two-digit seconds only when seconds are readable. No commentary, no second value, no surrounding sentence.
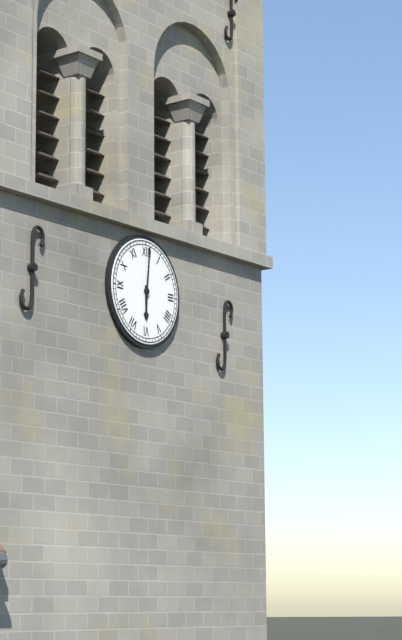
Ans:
6.01
